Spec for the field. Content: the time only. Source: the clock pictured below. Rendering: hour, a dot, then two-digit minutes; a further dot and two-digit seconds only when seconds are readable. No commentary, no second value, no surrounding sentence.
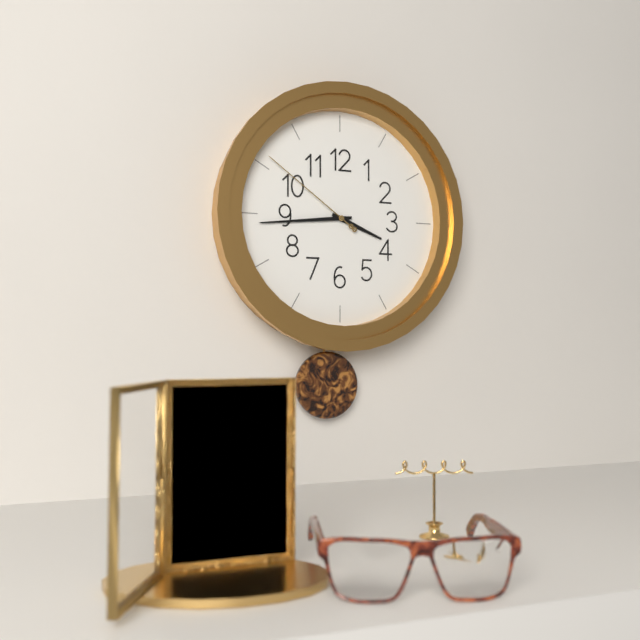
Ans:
3.44.51
